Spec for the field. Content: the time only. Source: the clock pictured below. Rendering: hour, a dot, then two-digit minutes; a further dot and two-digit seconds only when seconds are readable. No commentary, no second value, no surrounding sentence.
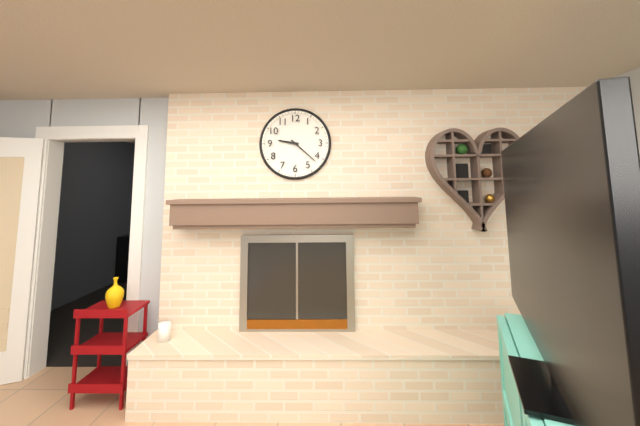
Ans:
9.22
